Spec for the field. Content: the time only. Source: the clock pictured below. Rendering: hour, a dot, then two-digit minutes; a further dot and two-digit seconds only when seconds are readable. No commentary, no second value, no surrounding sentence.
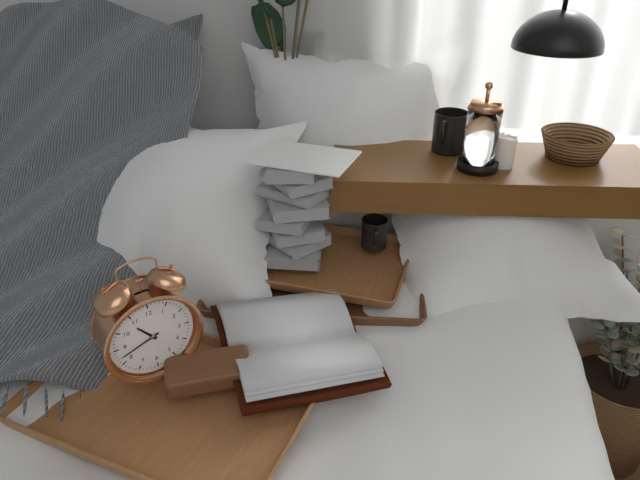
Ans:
10.42
